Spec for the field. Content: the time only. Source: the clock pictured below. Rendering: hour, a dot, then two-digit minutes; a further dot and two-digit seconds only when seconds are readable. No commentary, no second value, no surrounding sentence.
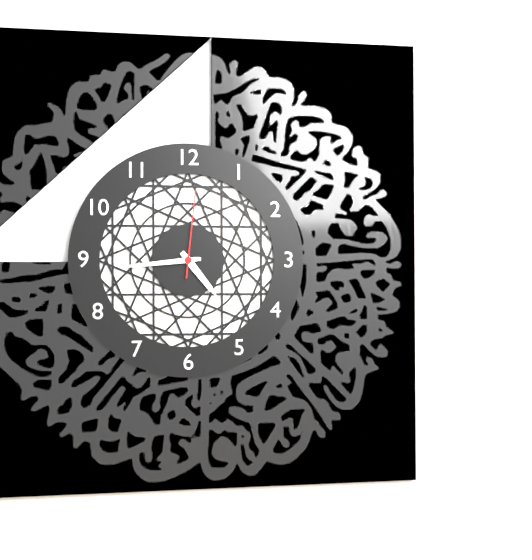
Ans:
4.44.01
